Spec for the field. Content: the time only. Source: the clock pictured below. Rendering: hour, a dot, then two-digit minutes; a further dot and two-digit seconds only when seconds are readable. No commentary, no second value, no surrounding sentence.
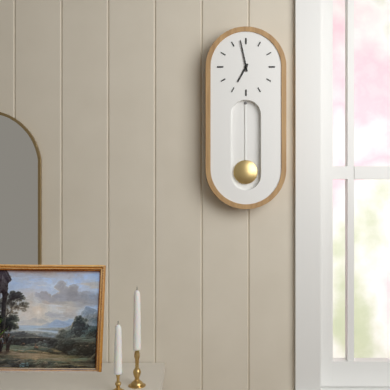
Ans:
6.58
